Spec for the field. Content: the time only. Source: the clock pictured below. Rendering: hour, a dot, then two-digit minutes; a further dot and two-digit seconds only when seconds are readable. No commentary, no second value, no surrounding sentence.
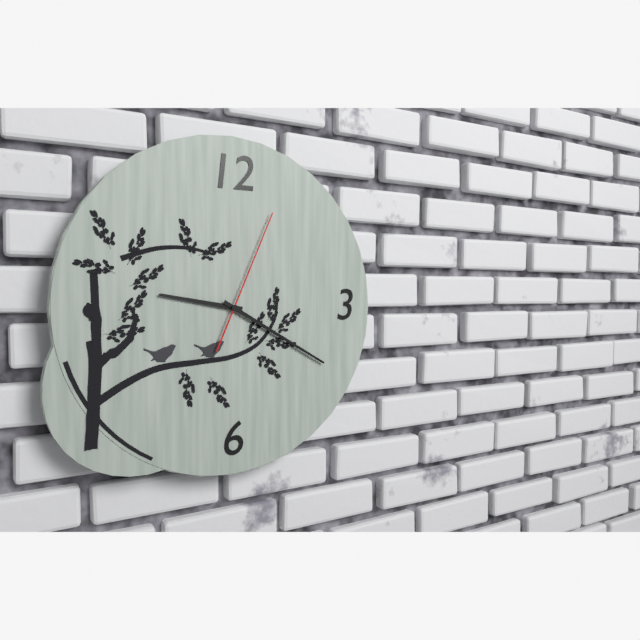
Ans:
9.20.04
